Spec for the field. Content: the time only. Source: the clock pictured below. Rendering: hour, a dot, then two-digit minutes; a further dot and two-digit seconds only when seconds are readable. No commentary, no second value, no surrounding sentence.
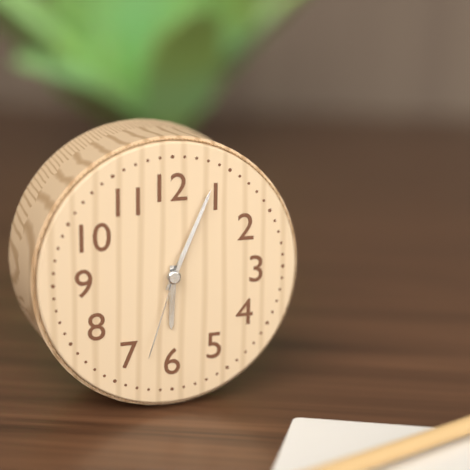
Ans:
6.04.33
